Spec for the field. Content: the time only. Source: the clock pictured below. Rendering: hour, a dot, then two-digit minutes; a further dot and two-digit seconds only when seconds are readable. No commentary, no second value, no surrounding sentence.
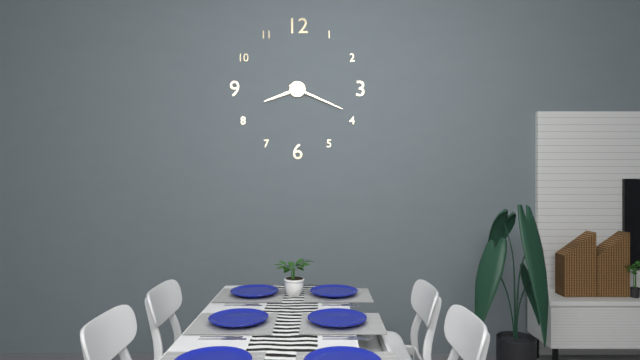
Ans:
8.19
